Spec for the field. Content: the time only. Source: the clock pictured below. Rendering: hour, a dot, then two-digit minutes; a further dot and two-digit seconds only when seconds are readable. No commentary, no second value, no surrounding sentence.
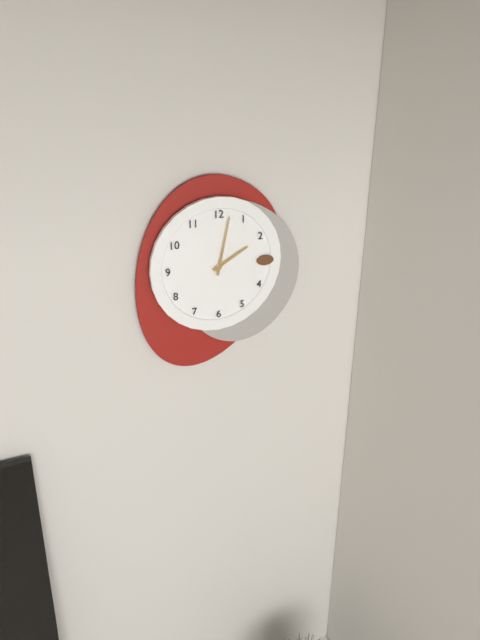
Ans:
2.02
